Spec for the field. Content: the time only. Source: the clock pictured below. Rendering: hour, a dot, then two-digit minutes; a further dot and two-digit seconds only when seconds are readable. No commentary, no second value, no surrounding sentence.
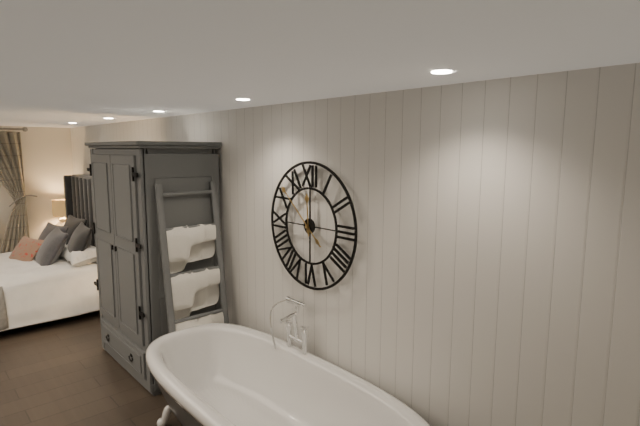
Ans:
11.52
